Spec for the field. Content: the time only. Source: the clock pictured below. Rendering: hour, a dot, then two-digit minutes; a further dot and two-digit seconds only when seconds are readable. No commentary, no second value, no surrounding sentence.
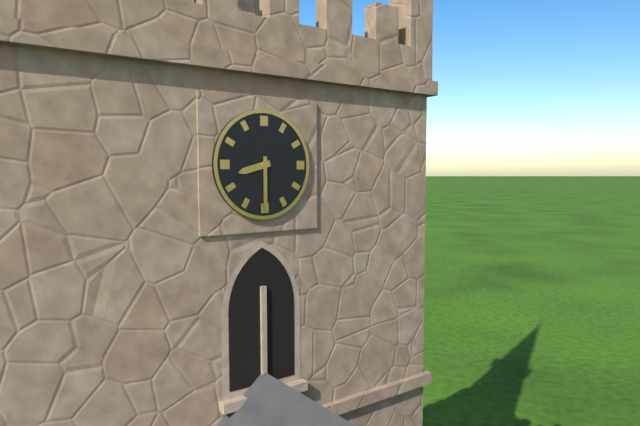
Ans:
8.30
